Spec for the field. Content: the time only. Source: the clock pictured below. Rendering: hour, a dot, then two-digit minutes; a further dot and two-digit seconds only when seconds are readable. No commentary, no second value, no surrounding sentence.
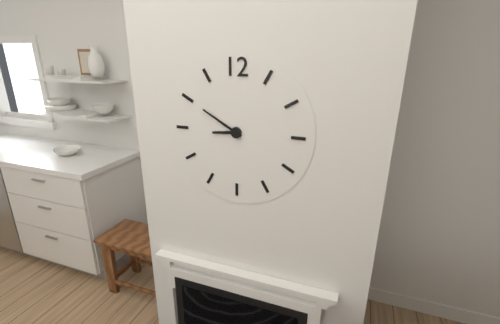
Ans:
8.50
